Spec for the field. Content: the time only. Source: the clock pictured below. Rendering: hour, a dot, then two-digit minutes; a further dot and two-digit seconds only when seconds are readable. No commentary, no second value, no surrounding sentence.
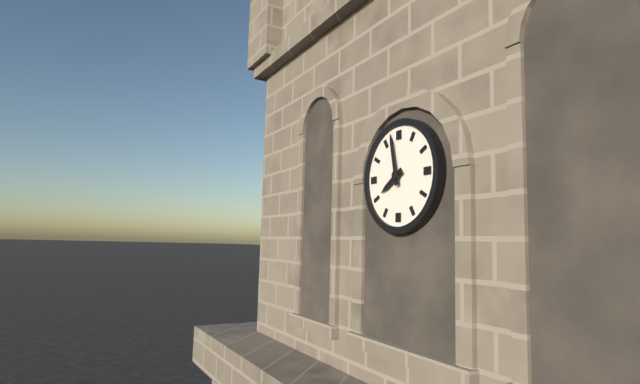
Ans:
7.58
